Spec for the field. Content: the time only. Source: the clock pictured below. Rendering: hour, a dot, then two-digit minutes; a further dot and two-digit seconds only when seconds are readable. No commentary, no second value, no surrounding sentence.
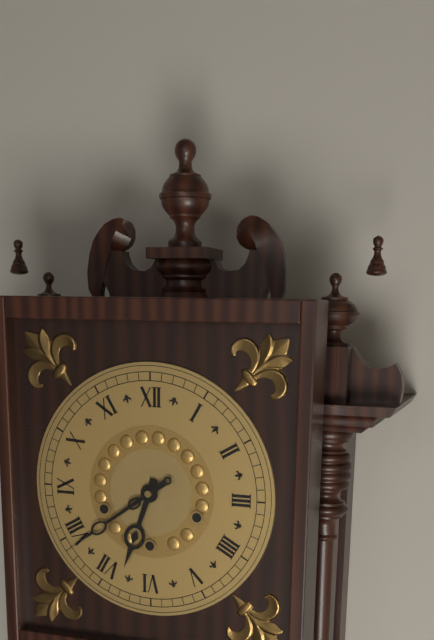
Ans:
6.39
